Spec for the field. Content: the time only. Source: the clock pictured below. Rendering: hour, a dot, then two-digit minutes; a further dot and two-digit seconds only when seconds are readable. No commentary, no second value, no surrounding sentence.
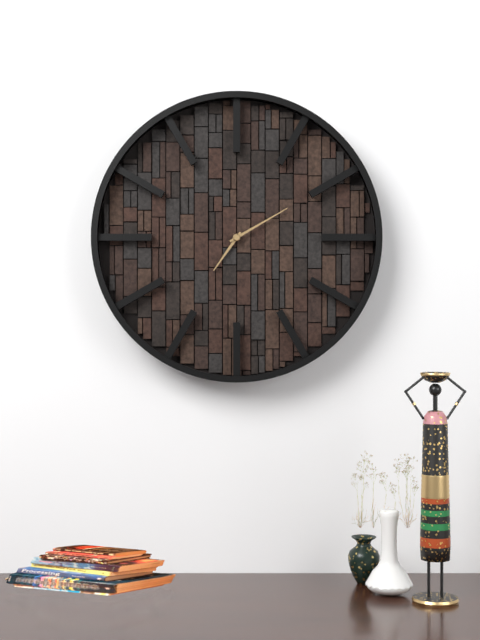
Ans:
7.10
